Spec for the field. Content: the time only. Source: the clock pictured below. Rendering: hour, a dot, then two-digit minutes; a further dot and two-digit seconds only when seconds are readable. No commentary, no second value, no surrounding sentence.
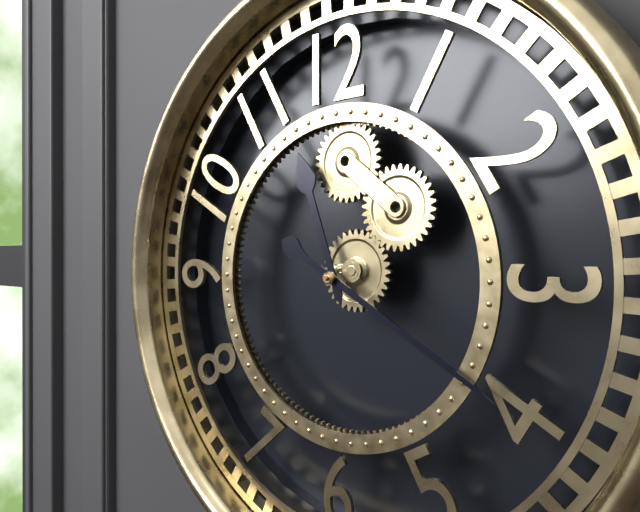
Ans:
11.20
